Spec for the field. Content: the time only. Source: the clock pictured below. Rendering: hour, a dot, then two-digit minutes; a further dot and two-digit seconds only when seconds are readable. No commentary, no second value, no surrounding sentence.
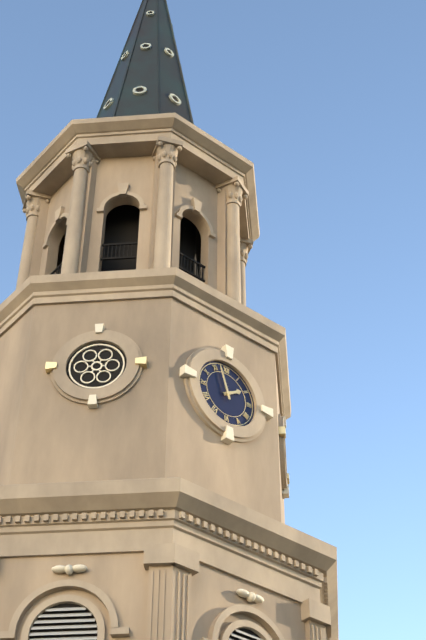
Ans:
1.57
